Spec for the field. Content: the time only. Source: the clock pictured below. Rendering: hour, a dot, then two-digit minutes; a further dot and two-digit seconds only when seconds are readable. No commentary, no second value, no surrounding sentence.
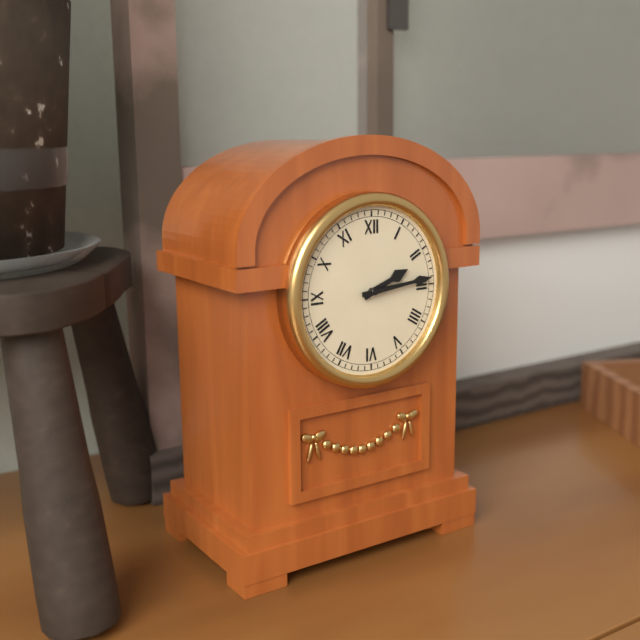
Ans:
2.14
